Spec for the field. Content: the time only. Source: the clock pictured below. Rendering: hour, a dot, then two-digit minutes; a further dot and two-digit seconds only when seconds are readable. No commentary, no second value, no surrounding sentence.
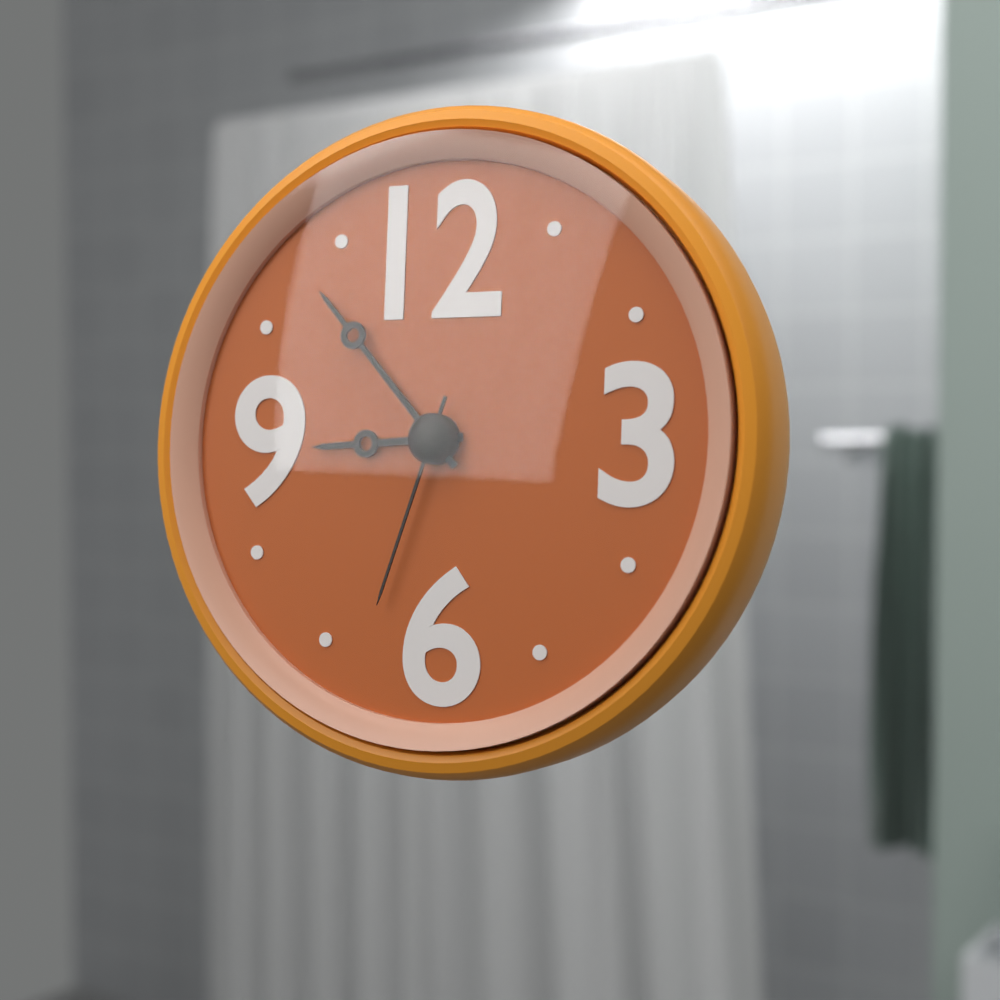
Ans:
8.53.33
